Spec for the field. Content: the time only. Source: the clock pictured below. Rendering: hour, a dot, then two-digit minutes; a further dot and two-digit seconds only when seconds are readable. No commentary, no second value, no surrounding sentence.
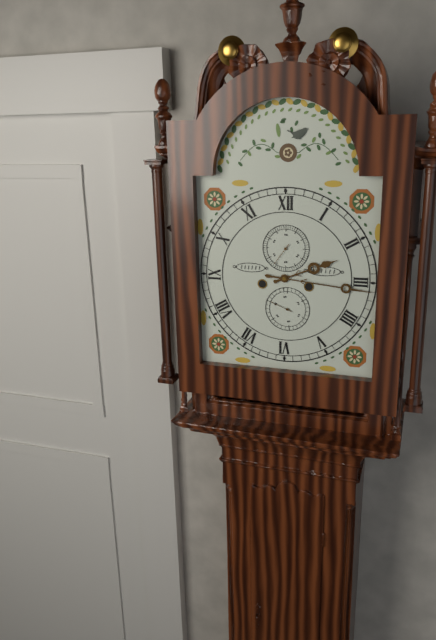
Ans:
2.16
